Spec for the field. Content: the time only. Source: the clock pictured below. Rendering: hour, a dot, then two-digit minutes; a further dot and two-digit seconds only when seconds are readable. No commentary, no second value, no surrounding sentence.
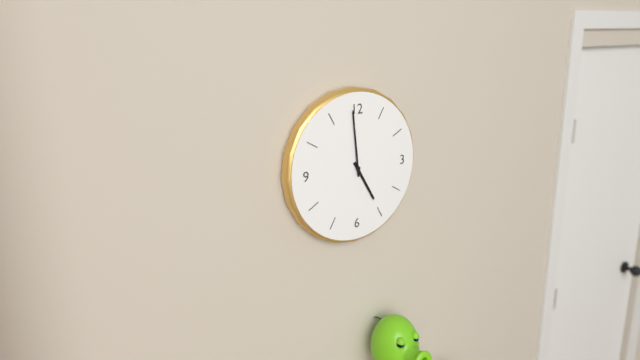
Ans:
4.59
